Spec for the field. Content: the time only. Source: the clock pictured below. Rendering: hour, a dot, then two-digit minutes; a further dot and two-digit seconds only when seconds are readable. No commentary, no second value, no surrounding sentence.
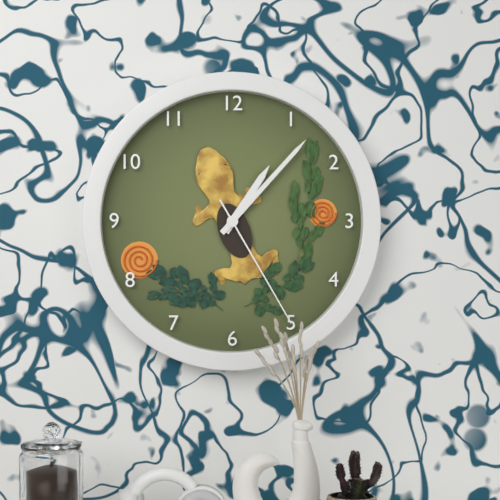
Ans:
1.07.25
